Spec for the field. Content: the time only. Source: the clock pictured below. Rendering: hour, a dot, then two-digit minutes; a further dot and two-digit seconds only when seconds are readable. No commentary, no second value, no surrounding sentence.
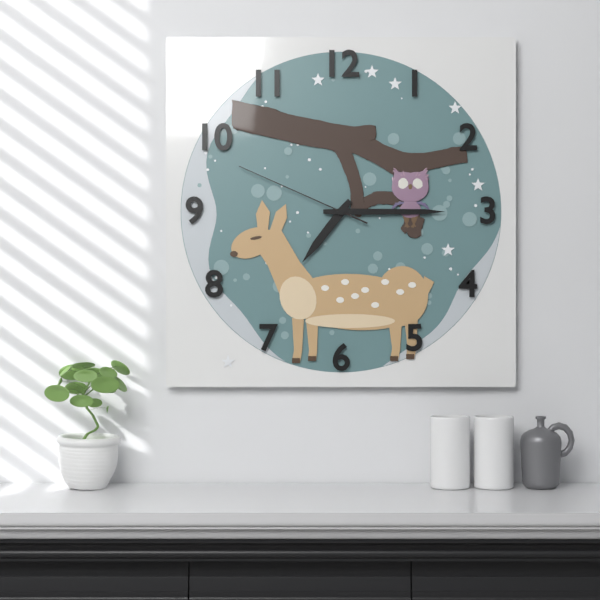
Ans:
7.15.49
